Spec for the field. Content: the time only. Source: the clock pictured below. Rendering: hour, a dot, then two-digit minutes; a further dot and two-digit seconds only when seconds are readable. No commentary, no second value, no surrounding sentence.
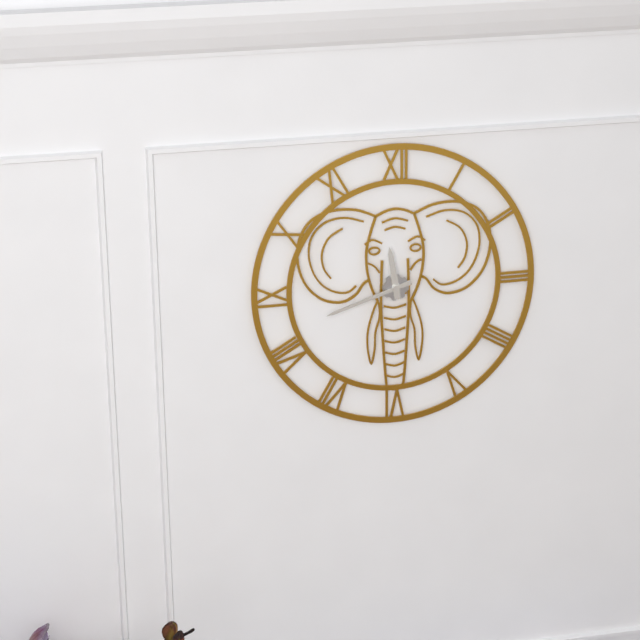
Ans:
11.42
